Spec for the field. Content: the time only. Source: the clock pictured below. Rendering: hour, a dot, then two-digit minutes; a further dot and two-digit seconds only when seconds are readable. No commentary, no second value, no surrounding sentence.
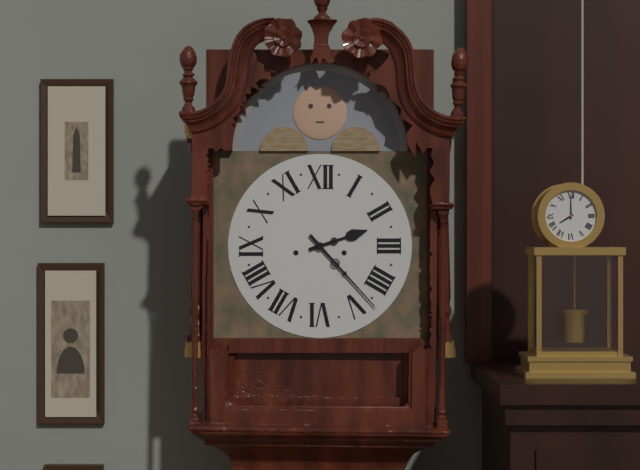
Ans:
2.23
